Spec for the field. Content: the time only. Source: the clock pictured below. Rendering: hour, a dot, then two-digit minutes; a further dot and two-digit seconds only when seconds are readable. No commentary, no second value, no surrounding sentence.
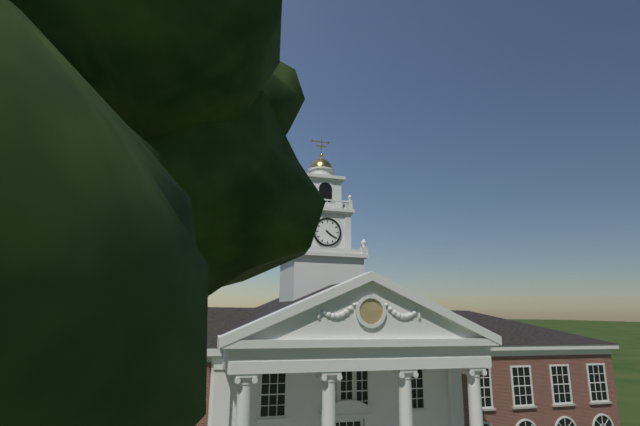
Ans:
4.21
